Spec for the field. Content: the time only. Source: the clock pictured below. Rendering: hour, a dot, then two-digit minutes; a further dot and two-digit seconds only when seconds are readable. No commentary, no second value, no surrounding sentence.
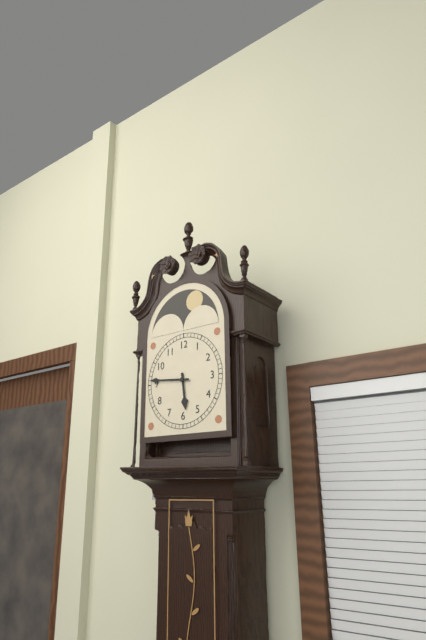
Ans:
5.46
